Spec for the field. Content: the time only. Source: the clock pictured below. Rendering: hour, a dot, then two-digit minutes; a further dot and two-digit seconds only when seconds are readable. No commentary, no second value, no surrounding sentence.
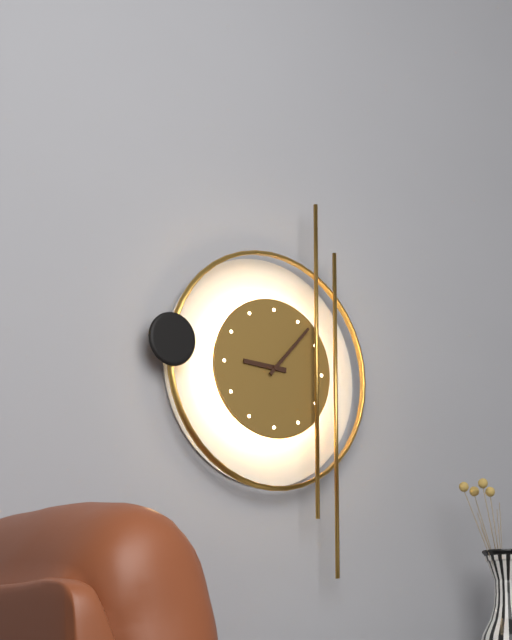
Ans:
9.07
